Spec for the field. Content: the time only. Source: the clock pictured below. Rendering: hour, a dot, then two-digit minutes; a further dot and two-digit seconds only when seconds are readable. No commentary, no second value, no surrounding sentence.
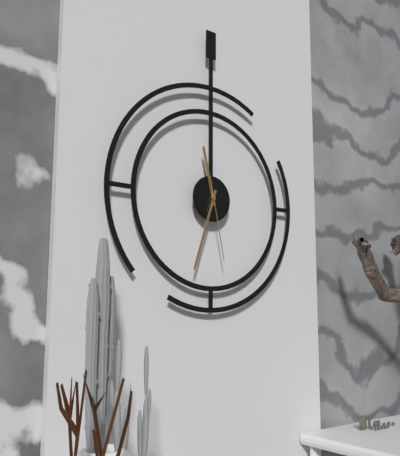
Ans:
11.33.28
